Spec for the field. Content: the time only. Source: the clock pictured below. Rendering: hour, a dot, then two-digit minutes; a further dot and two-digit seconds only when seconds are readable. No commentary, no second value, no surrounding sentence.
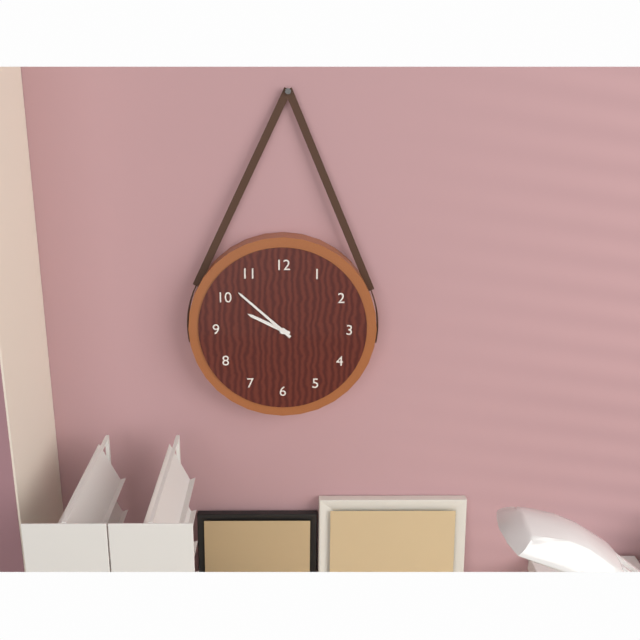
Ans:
9.52
